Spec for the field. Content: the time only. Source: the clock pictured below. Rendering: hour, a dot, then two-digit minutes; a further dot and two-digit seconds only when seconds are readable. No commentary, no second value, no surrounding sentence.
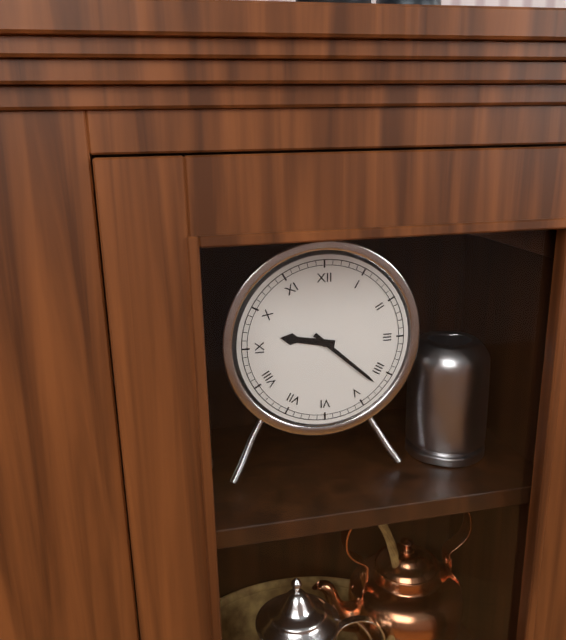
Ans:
9.22
